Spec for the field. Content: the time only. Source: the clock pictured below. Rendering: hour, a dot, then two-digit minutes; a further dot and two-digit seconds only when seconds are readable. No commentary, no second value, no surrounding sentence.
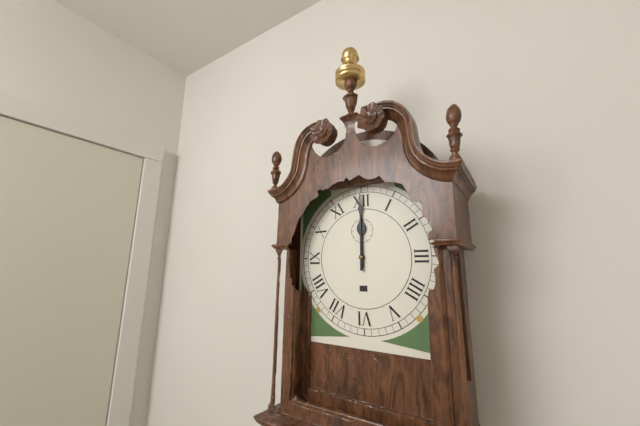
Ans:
12.00
